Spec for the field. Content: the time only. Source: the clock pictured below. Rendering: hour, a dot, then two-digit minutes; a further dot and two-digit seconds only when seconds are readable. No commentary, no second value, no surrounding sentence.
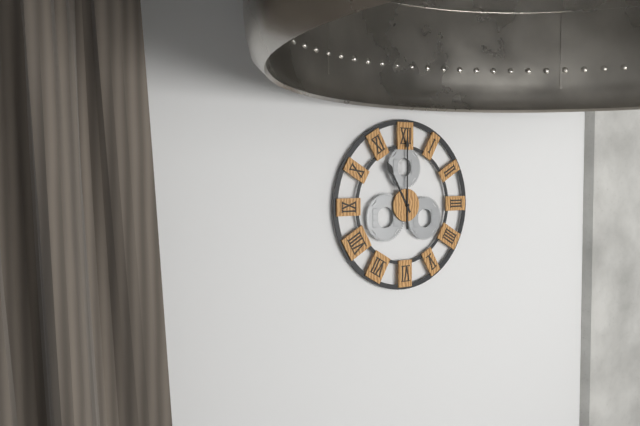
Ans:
11.00
